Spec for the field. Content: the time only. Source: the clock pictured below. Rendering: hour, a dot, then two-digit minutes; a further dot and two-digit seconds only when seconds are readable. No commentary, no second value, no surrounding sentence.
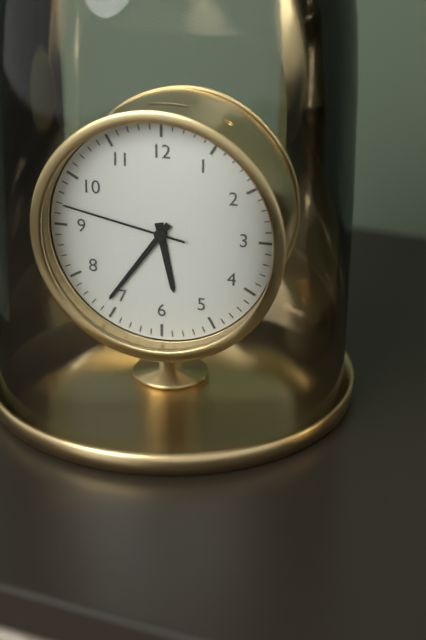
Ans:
5.36.47
